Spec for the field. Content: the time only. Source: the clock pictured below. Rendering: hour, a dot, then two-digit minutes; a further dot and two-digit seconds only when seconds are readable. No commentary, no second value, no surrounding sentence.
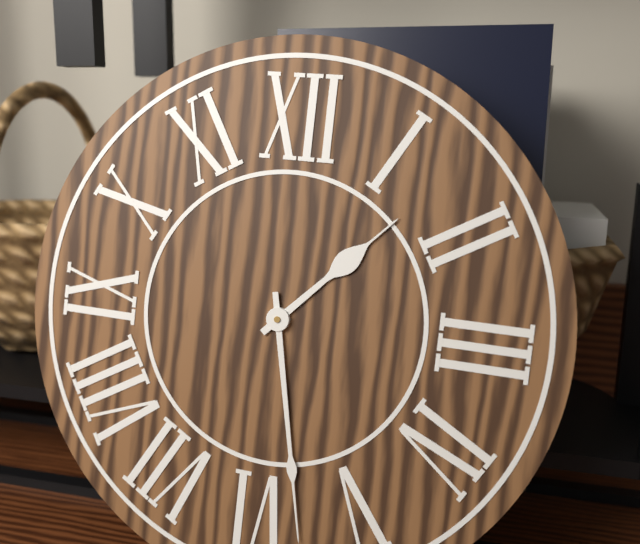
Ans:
1.28
